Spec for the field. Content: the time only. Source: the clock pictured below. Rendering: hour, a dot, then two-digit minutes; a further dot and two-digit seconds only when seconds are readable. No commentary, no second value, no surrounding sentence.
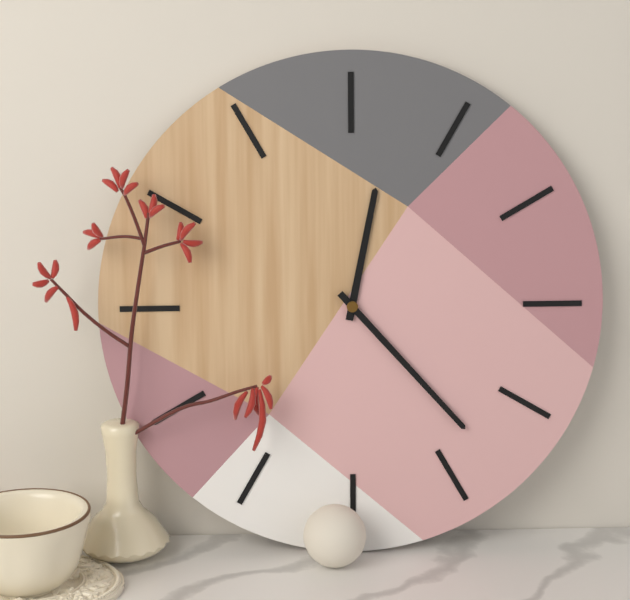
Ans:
12.23
